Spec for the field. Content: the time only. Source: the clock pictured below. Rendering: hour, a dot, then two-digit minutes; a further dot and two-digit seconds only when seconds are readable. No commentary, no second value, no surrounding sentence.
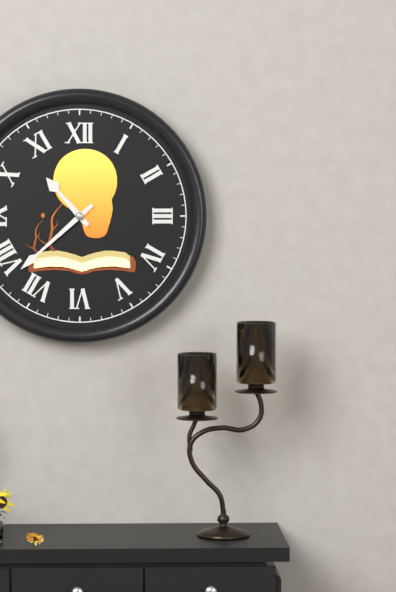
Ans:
10.38
